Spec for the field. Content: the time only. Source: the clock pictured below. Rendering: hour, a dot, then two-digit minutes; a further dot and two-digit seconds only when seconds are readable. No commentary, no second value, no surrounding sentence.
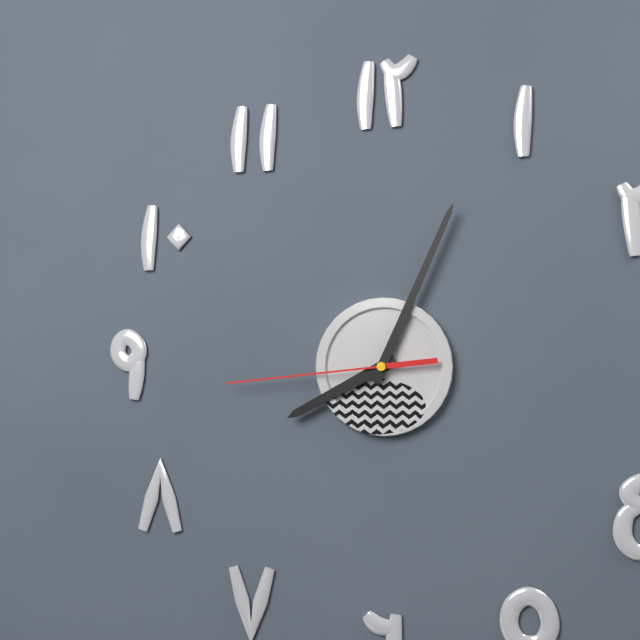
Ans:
8.04.44
